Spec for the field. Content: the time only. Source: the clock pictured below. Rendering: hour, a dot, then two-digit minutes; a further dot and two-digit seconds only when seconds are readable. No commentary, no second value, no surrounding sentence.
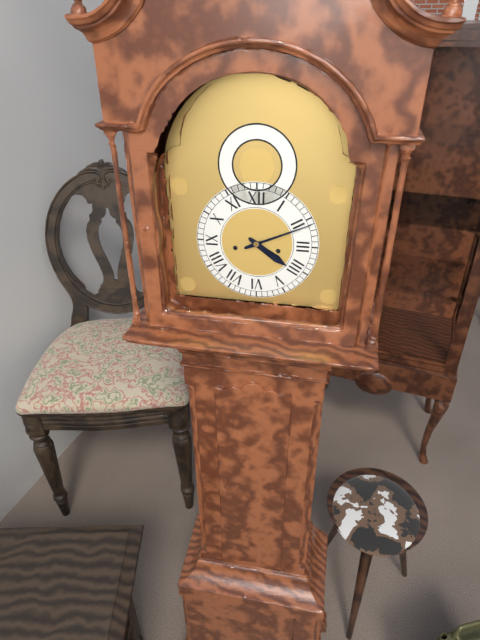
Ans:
4.11
